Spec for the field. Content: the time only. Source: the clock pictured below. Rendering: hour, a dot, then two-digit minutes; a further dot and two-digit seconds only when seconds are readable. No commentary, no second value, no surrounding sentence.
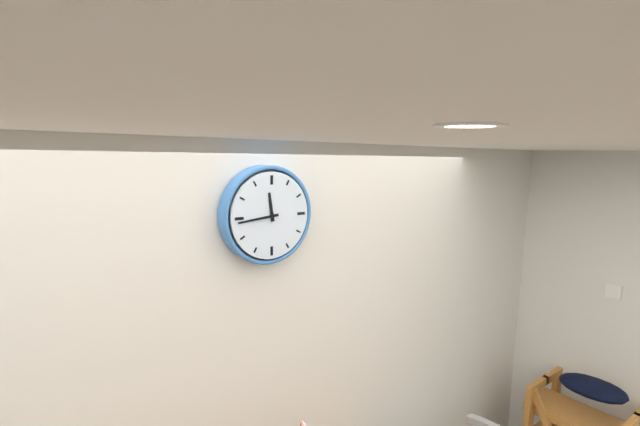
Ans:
11.44
